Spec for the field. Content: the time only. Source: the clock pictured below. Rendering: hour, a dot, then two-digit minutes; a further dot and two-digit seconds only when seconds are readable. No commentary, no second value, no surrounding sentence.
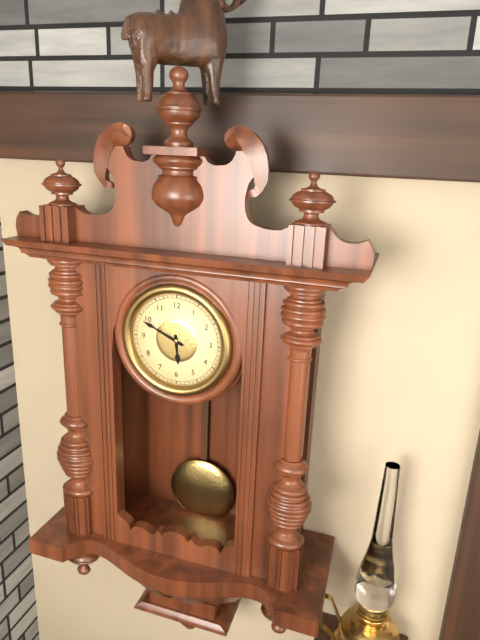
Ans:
5.49
